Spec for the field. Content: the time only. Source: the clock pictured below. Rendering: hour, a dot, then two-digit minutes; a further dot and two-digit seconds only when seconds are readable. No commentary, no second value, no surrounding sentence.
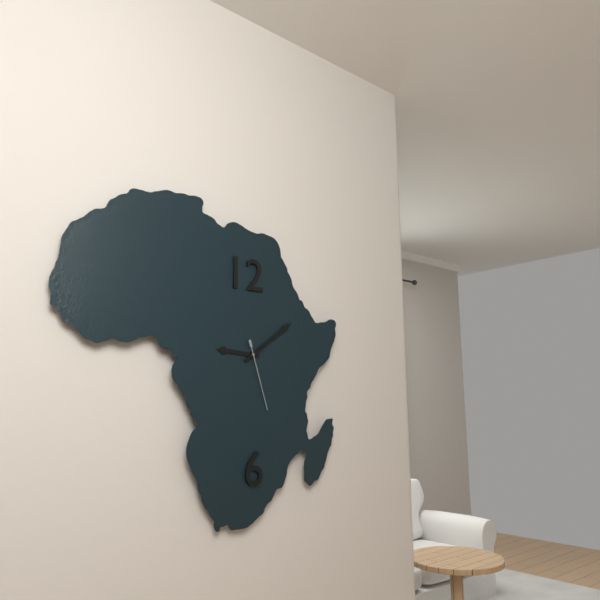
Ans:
9.09.27
